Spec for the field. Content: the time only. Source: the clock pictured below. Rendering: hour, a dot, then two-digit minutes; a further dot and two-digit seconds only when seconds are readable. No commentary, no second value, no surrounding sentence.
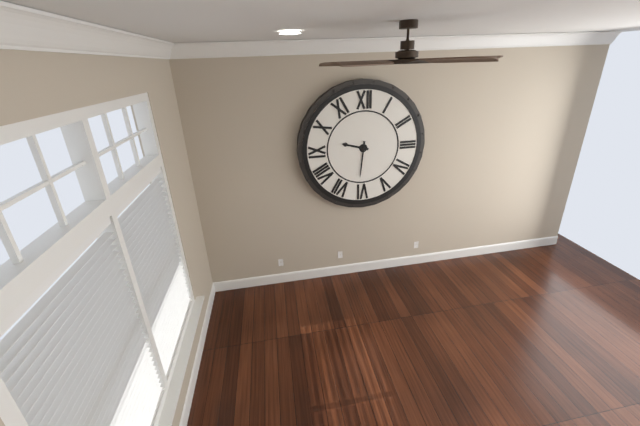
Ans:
9.31
